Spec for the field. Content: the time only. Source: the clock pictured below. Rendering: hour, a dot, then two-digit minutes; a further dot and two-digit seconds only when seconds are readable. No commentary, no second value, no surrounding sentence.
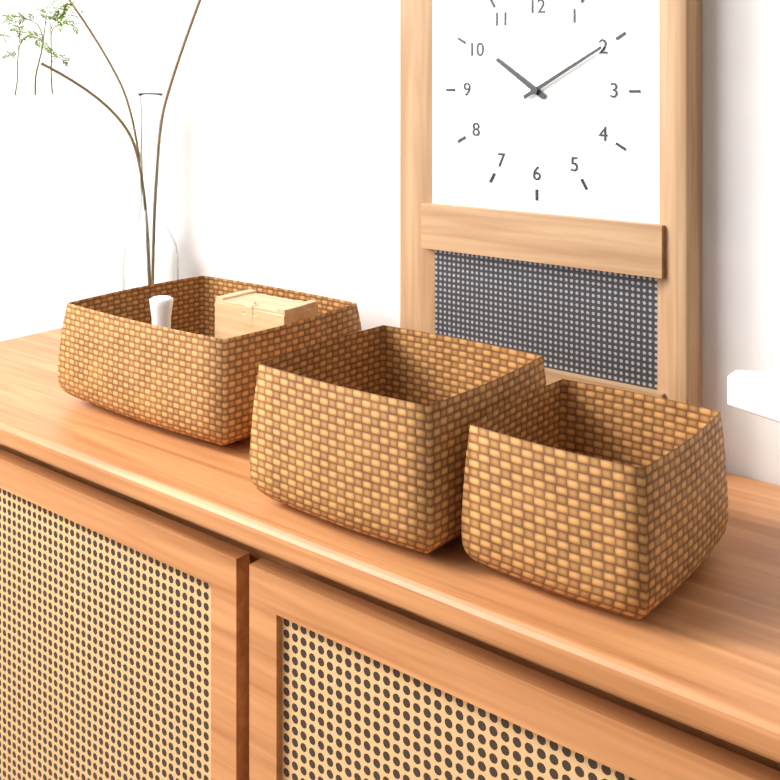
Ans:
10.10
